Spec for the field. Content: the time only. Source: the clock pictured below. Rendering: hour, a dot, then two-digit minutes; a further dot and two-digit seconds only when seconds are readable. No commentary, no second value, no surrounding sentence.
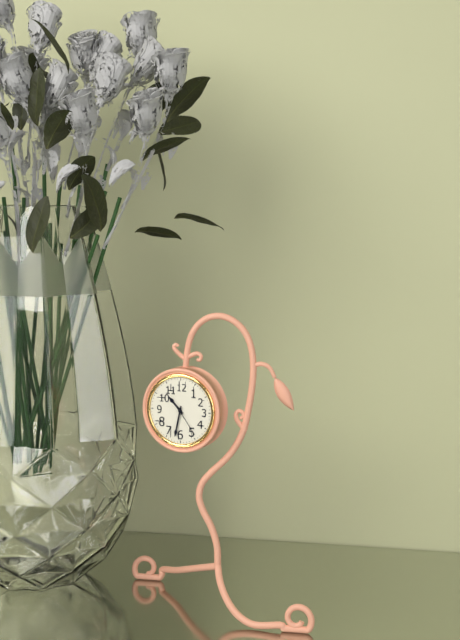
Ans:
10.32
